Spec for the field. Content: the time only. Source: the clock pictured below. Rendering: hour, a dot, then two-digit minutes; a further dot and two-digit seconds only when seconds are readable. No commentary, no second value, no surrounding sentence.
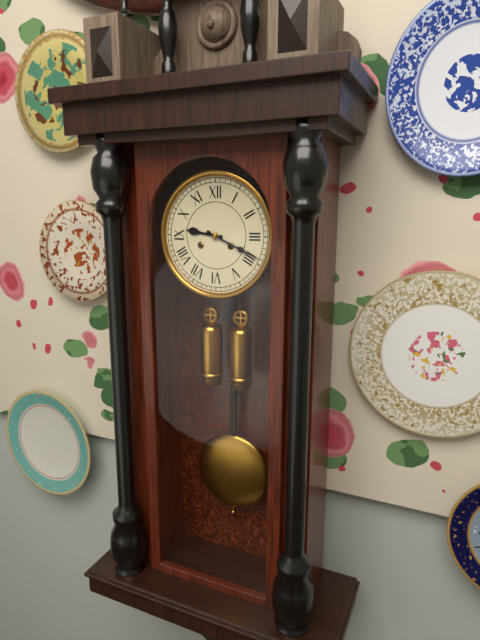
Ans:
9.19
